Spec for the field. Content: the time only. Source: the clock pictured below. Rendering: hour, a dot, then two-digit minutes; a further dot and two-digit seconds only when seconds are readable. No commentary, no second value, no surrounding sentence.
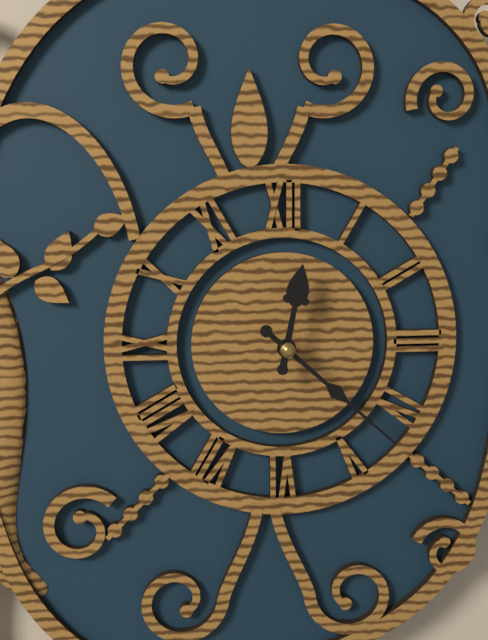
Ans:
12.22
